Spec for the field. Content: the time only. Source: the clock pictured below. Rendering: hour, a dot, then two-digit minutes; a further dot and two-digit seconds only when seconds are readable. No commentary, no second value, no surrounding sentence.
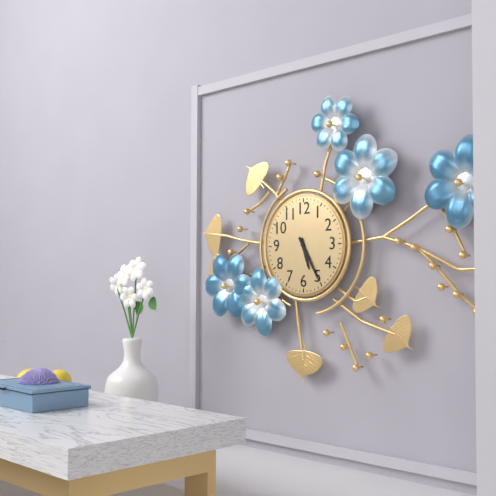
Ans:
5.25
